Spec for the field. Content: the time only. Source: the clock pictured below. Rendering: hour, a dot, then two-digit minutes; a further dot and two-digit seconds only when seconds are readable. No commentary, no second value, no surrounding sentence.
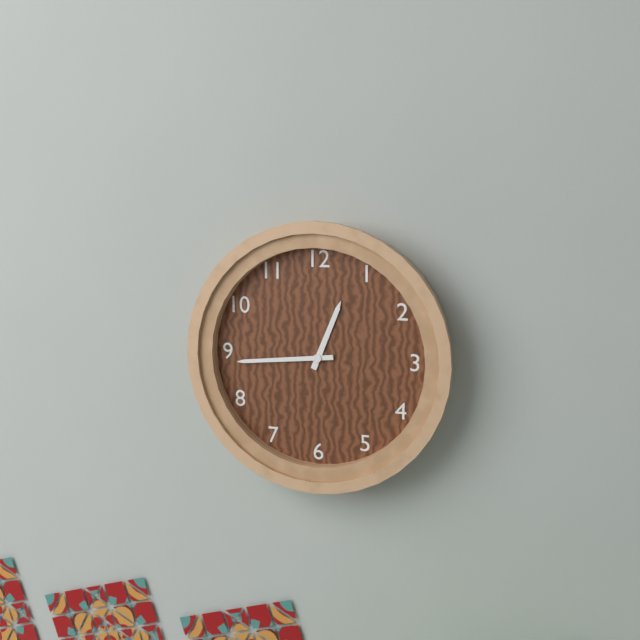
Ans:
12.44
